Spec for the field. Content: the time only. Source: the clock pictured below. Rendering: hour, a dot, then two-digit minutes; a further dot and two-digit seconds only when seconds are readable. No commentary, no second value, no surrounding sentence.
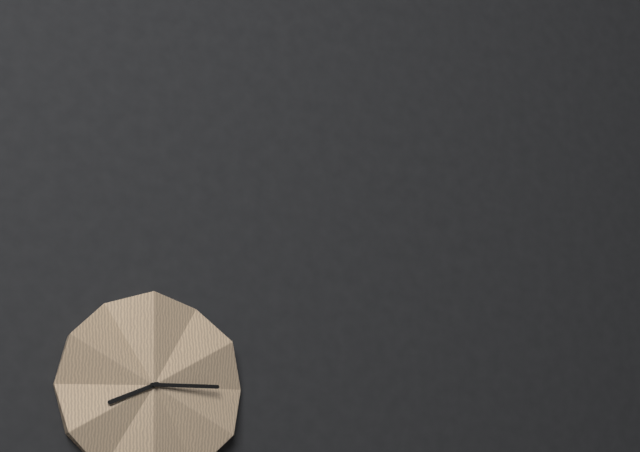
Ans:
8.15
